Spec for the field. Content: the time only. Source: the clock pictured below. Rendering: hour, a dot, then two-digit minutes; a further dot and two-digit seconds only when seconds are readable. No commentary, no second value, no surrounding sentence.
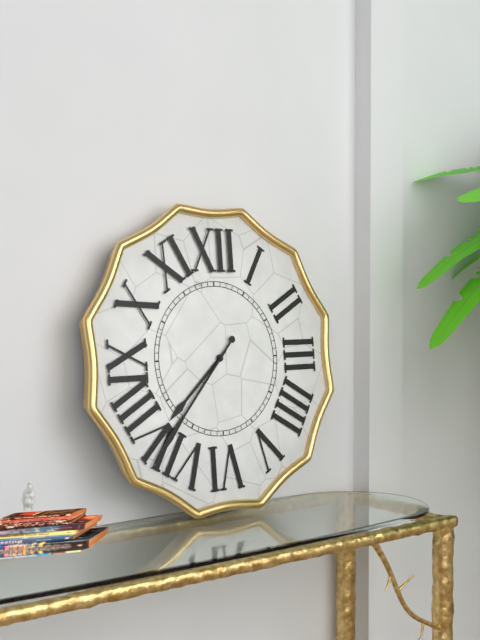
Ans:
7.37
